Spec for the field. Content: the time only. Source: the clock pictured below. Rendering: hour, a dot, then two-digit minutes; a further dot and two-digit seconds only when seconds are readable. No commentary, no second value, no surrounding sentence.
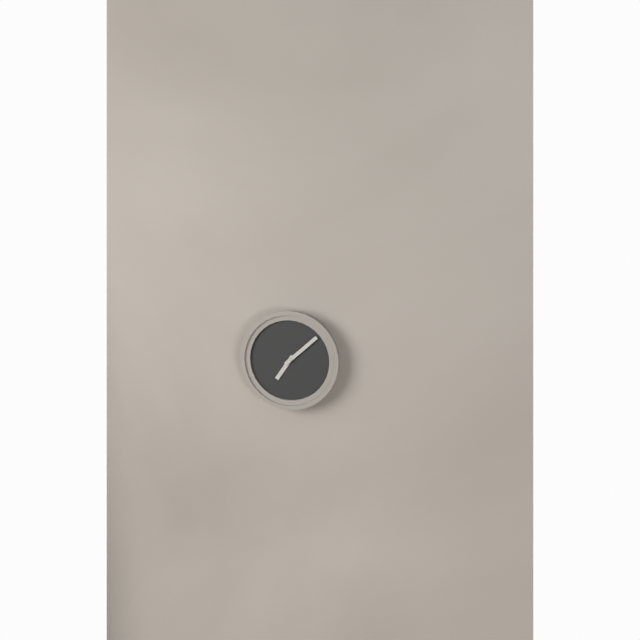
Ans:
7.08
